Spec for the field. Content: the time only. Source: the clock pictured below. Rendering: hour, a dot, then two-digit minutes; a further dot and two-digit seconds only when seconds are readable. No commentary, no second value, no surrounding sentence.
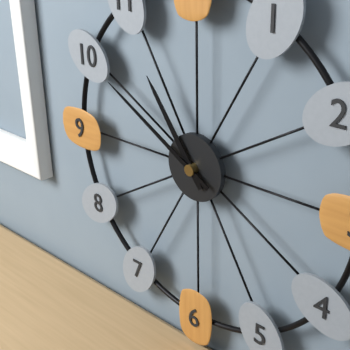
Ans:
10.50
